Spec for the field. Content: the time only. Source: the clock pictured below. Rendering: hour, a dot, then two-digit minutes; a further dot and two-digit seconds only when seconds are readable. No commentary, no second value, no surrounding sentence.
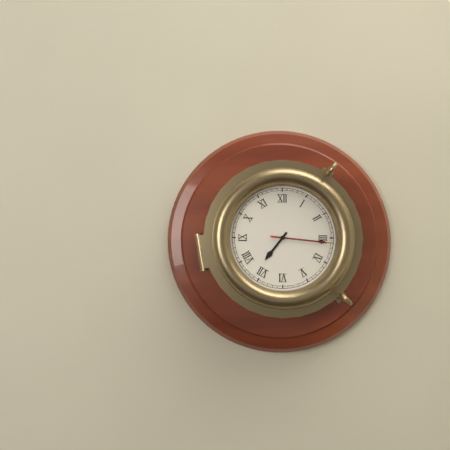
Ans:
7.16.16
